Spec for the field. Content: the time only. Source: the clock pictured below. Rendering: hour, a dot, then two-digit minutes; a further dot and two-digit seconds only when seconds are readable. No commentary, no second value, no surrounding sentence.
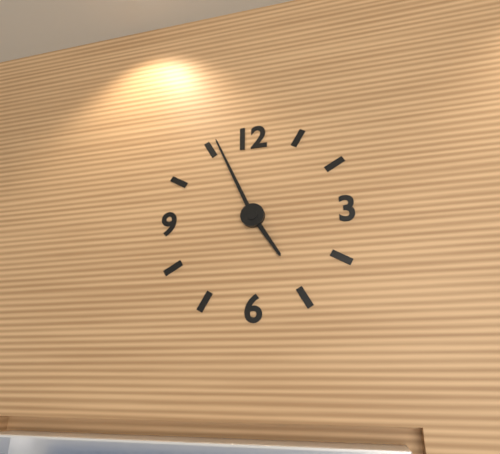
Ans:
4.56
